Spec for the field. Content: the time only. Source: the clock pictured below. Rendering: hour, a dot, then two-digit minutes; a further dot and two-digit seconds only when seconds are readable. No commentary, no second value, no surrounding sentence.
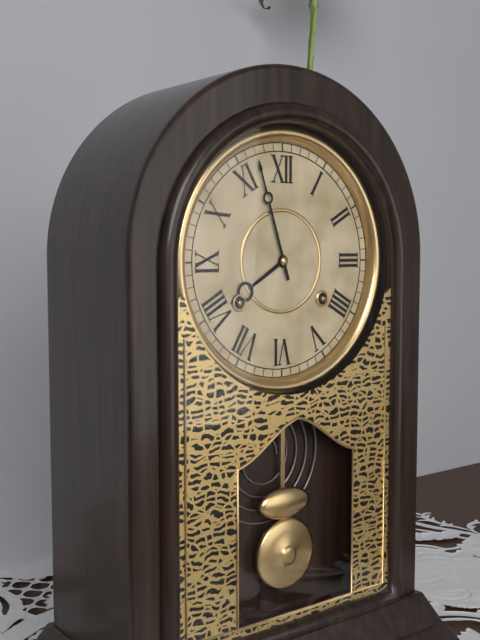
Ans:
7.57
